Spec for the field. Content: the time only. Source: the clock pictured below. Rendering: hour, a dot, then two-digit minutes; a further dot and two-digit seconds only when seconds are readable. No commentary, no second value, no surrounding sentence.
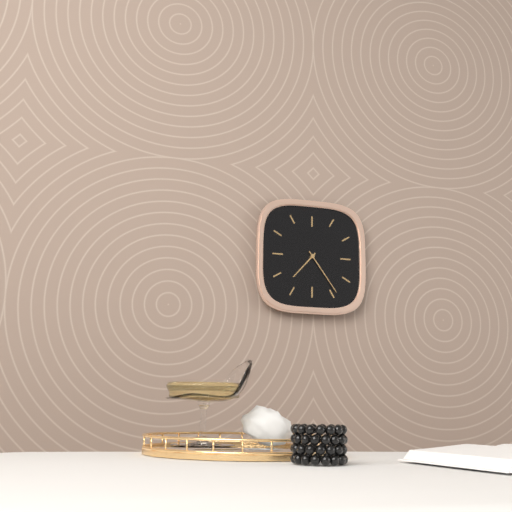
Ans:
7.24
